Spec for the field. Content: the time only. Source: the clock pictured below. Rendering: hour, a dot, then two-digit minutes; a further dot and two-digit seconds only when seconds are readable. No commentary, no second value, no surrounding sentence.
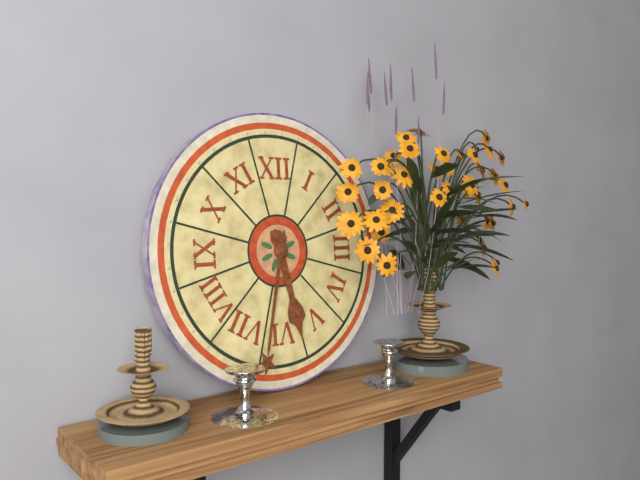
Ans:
5.32
